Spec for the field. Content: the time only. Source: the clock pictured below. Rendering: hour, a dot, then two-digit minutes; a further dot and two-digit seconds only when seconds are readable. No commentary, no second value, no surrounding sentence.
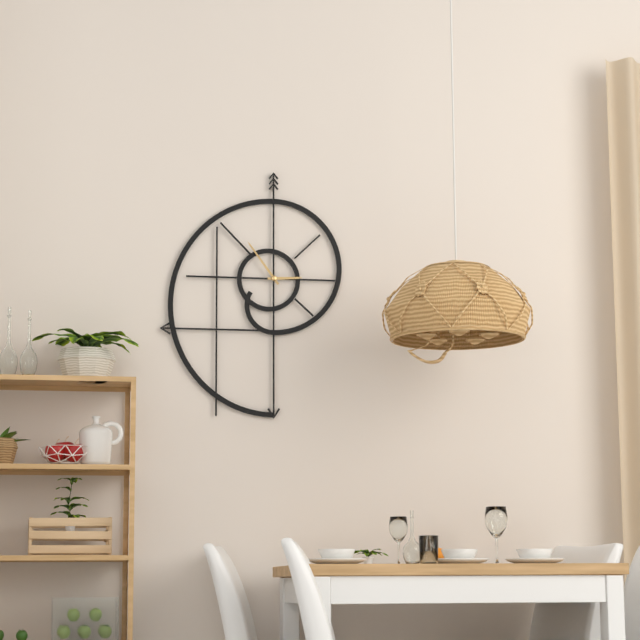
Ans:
2.54
